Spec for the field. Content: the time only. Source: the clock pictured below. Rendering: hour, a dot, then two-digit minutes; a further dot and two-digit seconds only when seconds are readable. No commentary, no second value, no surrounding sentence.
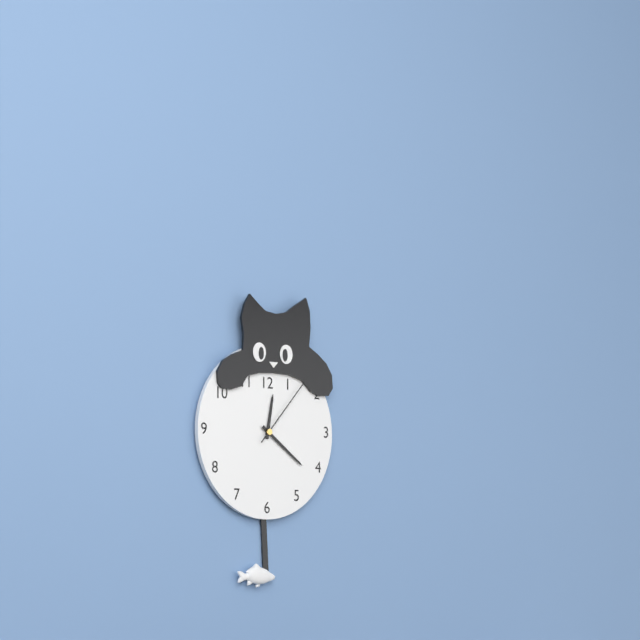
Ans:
12.21.07
